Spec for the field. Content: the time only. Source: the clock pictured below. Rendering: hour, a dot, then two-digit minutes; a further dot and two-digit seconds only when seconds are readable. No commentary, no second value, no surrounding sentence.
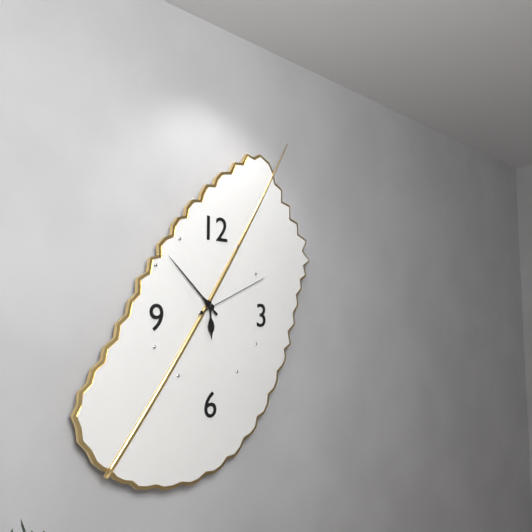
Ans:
5.52.11
